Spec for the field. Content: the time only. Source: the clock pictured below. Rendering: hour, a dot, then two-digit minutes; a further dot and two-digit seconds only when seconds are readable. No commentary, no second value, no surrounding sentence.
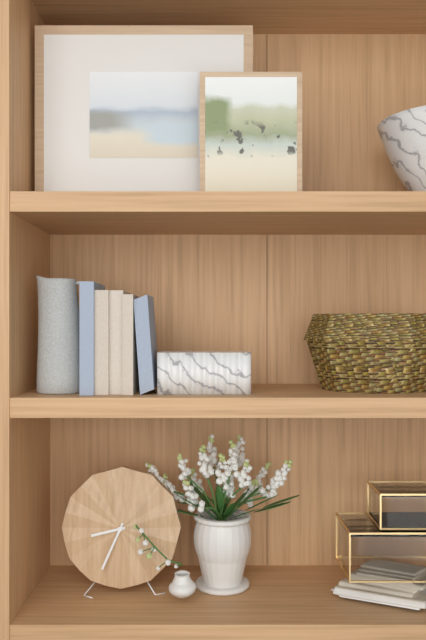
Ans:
8.34
